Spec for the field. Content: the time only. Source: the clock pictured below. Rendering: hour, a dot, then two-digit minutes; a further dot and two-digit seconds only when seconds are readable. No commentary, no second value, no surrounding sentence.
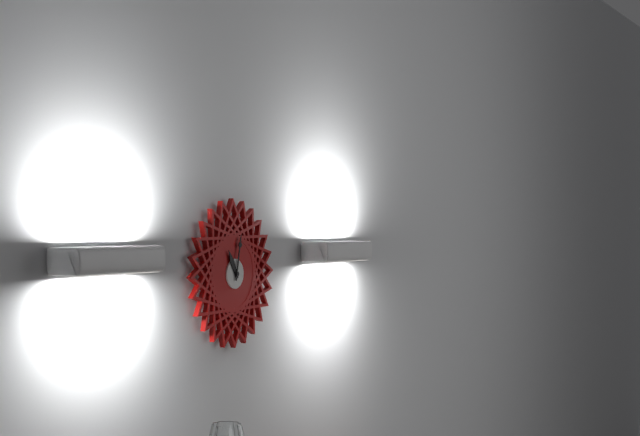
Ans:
11.02
